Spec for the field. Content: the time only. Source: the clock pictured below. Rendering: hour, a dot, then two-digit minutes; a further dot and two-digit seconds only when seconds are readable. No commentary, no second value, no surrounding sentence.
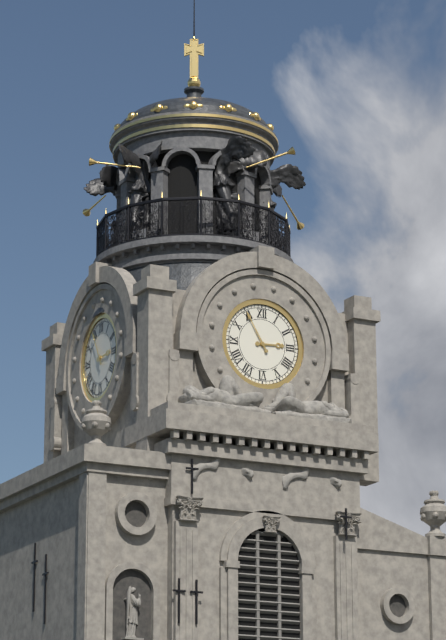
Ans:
2.55
